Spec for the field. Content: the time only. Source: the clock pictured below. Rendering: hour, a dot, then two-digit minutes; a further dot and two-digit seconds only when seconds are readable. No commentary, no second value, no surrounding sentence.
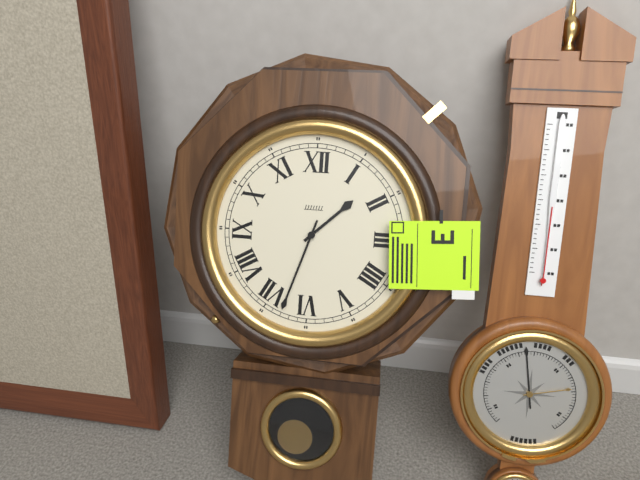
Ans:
1.33
